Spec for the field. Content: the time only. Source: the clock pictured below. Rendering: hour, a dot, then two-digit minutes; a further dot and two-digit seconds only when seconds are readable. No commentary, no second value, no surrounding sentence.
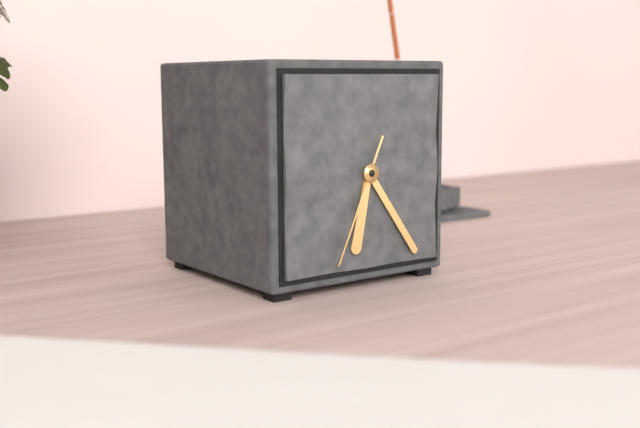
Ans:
6.24.34
